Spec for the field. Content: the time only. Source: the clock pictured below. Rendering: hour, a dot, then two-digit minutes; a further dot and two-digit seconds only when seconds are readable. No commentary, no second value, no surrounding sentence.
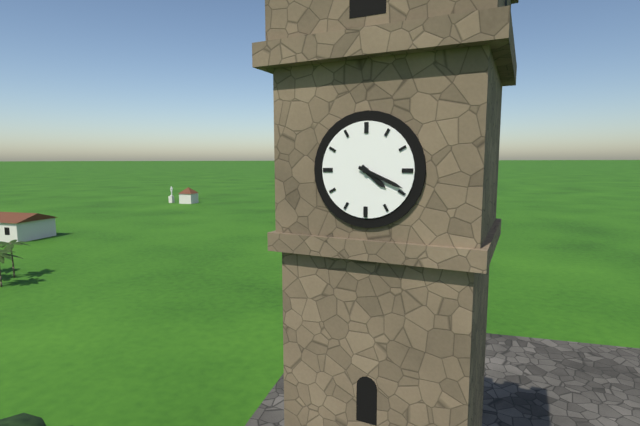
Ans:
4.19
